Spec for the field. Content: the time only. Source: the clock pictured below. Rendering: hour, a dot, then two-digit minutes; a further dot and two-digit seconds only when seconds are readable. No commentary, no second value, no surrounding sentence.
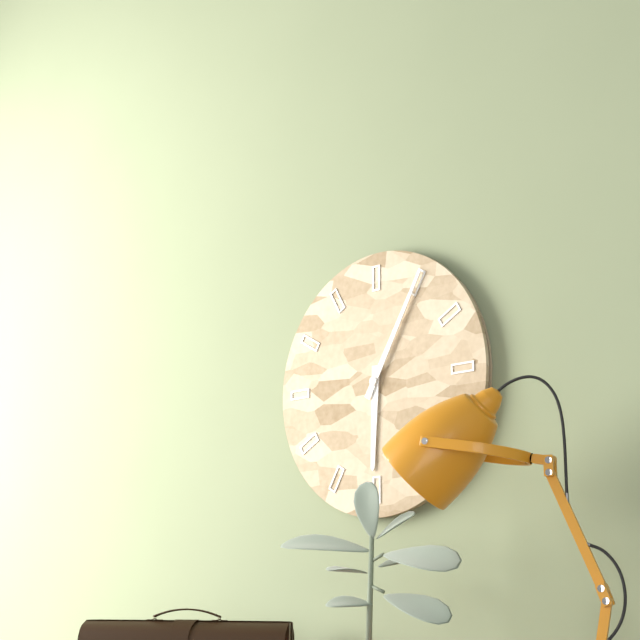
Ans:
6.05
